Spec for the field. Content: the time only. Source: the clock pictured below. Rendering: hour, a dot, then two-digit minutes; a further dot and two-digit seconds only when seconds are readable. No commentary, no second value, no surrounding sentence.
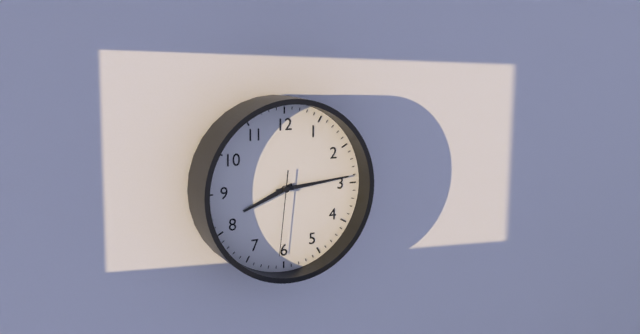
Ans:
8.14.31
